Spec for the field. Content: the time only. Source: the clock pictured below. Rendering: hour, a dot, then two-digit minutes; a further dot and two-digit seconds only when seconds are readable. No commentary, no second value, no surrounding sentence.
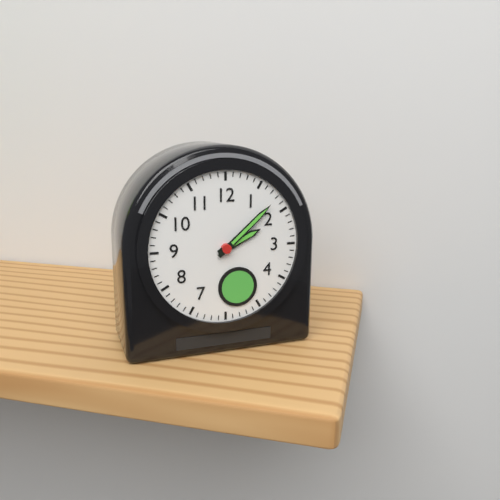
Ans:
2.08
